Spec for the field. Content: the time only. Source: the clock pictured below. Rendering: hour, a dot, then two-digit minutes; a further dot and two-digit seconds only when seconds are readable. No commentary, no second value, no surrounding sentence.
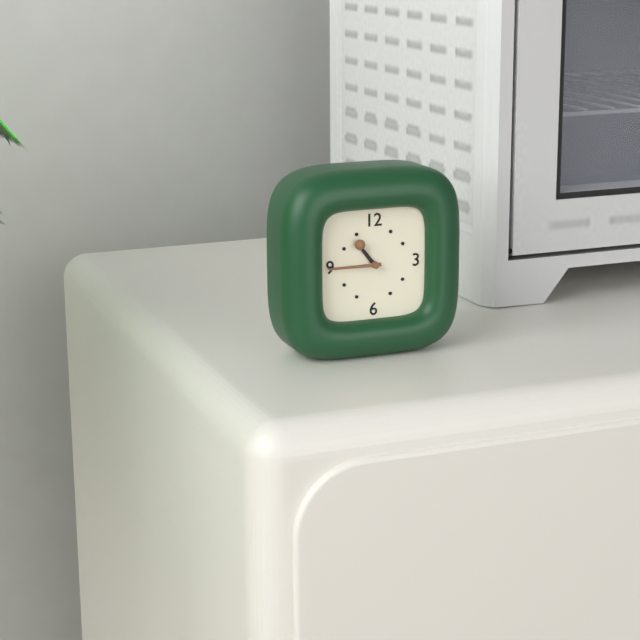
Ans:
10.45
